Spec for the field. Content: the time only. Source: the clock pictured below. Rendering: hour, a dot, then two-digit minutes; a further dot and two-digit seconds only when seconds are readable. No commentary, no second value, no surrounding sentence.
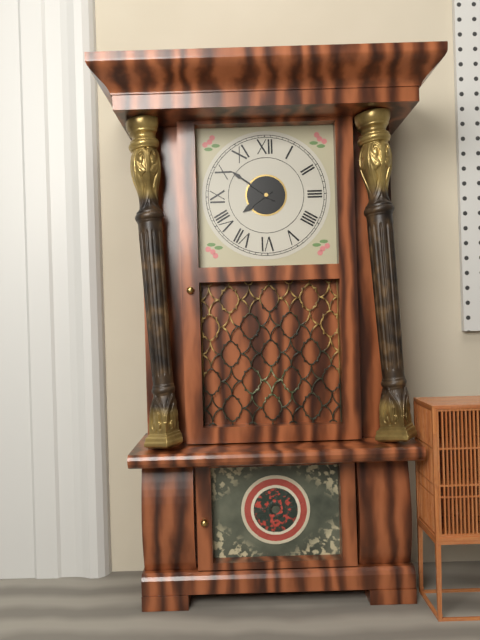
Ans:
7.51
